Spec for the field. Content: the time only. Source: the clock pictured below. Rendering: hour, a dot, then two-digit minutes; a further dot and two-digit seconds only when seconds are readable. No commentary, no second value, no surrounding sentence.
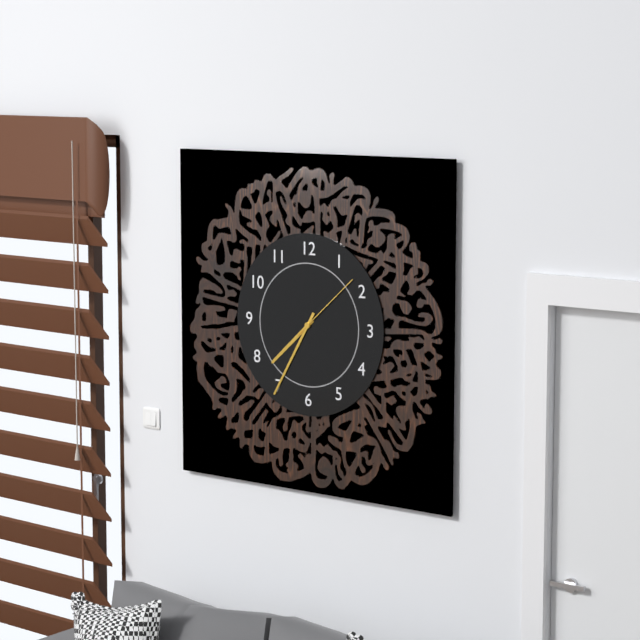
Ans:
7.35.08
